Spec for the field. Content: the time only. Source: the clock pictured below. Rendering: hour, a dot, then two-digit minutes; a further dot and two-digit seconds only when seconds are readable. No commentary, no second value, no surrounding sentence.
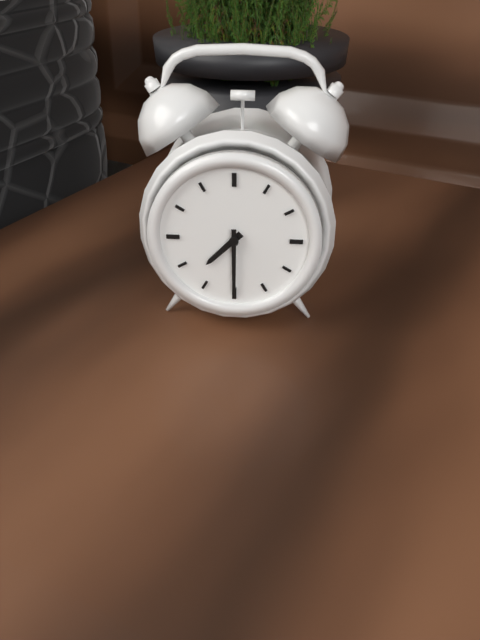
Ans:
7.30
